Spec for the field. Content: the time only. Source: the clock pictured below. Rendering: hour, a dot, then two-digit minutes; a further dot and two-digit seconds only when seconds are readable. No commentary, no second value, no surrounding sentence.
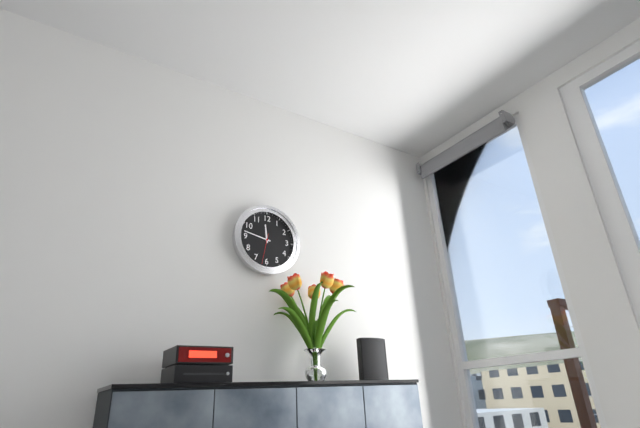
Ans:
11.47
